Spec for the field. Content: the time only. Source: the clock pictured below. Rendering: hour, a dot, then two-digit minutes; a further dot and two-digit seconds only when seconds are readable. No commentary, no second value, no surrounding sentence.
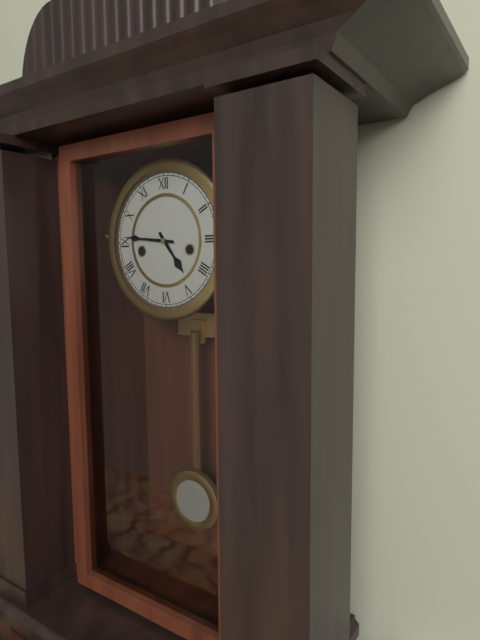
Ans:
4.46
